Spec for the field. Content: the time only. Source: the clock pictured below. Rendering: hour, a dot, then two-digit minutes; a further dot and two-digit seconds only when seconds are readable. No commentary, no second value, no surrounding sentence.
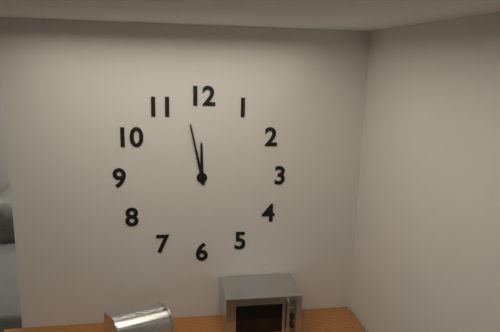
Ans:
11.58
